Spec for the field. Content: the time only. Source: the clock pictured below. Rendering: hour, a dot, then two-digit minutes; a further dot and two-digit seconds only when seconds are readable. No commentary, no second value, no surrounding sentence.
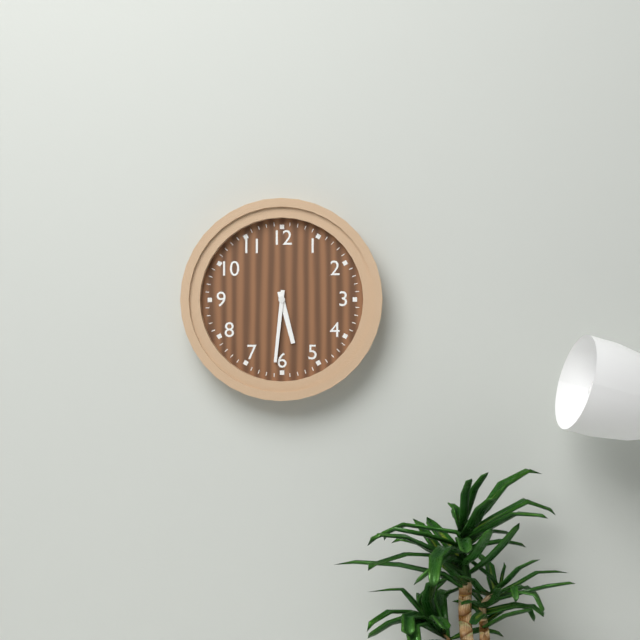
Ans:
5.31
